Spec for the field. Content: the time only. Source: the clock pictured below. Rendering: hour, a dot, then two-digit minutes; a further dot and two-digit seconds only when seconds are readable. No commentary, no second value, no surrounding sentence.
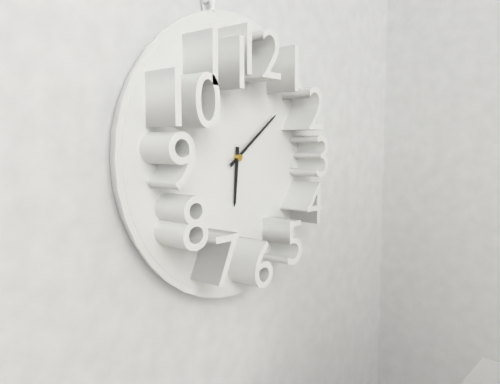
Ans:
6.09
